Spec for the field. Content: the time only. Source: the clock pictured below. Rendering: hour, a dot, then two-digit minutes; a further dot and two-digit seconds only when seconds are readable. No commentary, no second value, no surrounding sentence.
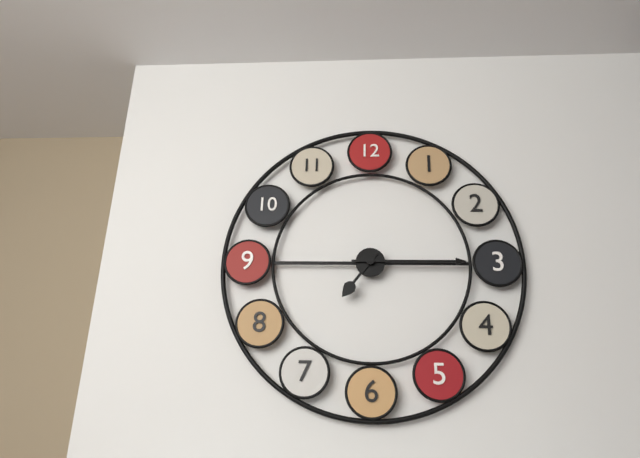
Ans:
7.15
